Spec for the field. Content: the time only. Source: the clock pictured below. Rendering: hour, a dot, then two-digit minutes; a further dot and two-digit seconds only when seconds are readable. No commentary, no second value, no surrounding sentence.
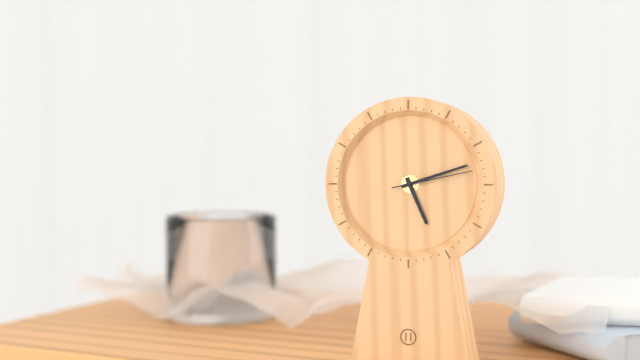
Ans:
5.12.13
